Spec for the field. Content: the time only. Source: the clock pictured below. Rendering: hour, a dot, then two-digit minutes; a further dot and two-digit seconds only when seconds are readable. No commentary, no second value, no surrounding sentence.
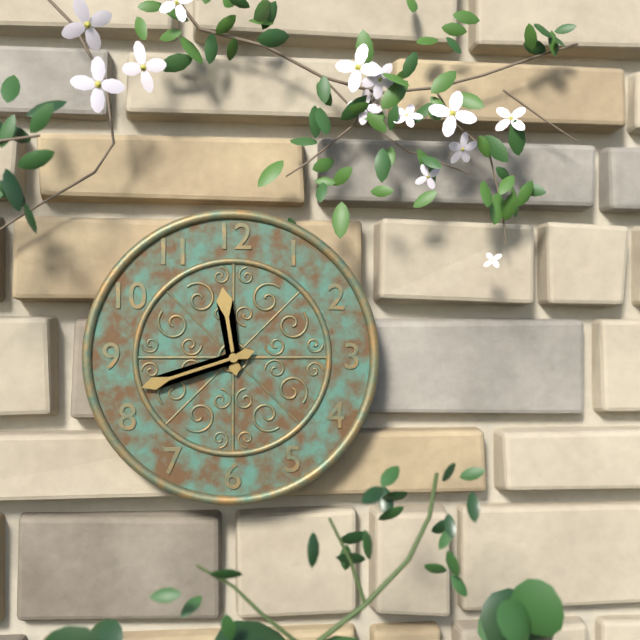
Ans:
11.42
